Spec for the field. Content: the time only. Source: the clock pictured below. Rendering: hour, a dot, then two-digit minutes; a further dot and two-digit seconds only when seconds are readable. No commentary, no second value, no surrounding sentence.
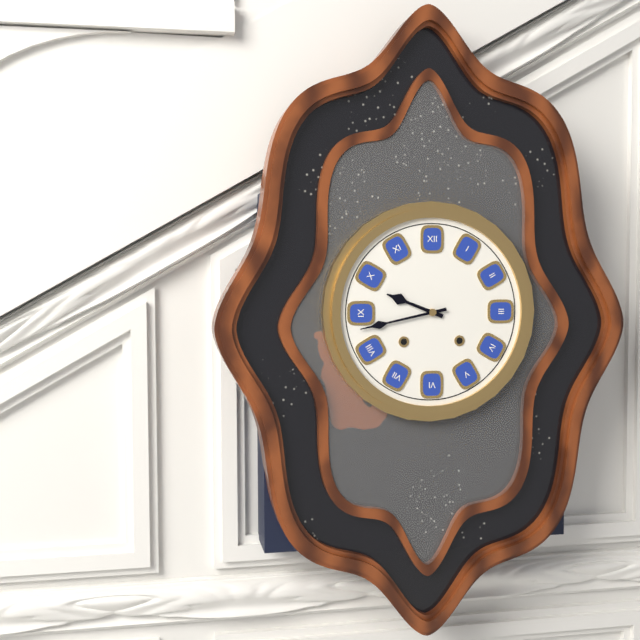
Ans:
9.43
